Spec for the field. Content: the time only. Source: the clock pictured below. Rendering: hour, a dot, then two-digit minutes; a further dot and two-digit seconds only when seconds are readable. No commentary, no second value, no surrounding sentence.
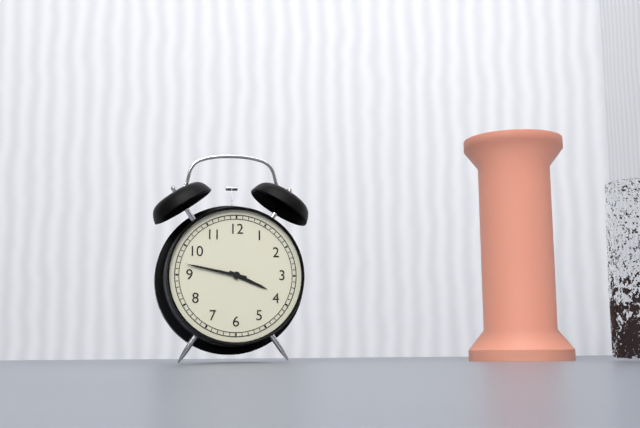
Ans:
3.47
